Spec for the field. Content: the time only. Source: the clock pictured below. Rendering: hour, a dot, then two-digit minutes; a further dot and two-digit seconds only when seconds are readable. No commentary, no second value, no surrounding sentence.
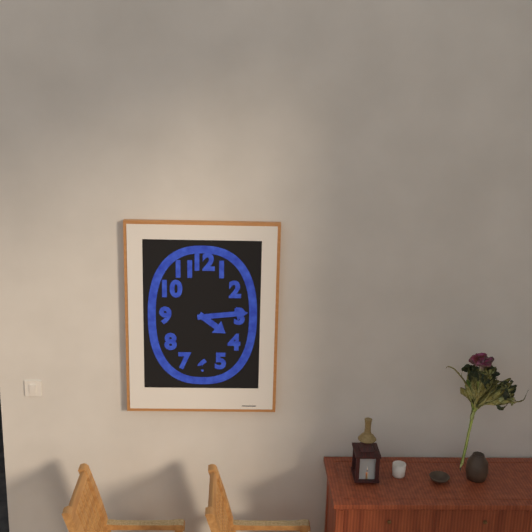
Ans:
4.14
